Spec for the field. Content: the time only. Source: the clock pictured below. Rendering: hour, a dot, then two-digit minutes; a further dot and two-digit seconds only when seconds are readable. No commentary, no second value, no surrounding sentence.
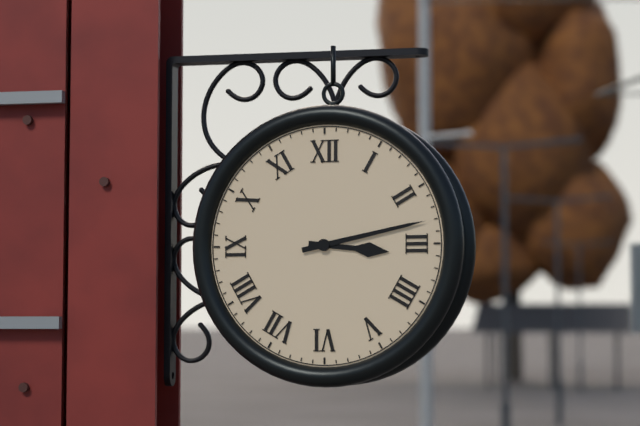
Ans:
3.13
